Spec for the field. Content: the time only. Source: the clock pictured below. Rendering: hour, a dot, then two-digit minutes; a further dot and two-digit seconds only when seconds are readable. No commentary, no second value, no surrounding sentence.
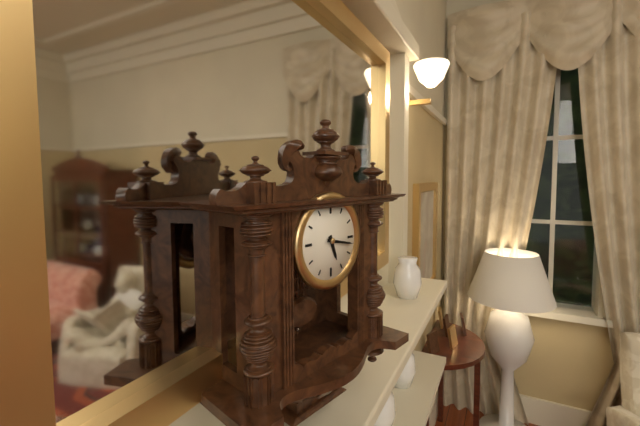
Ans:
5.17
